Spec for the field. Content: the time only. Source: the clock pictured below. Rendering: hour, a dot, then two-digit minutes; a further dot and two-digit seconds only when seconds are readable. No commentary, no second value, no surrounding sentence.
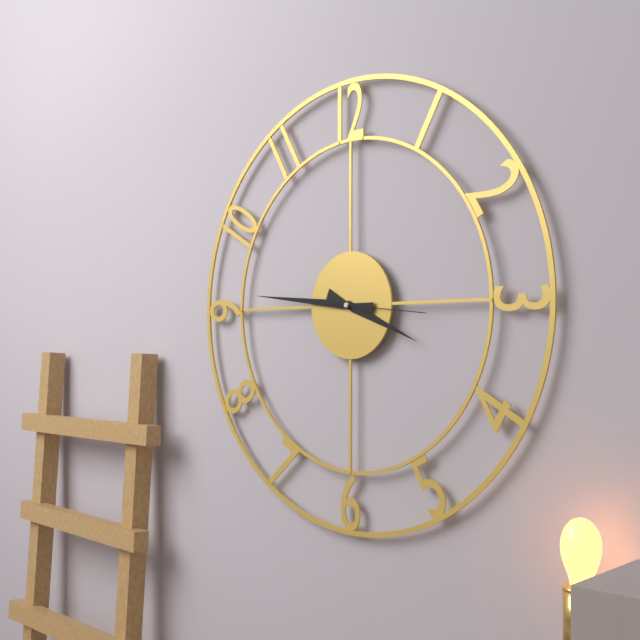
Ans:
3.46.16
